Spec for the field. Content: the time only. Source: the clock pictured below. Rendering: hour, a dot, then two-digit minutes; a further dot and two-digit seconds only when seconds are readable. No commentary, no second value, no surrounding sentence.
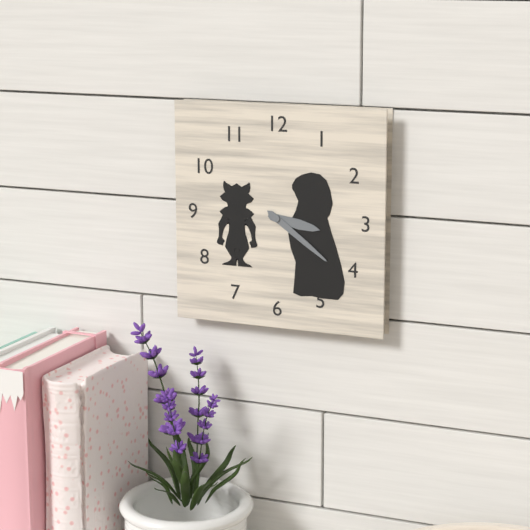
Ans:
3.21
